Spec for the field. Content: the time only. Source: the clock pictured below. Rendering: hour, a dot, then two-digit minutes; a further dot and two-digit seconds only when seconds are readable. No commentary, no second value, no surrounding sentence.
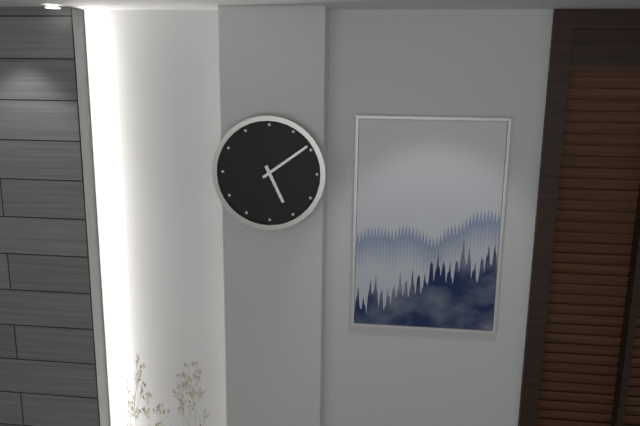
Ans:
5.09
